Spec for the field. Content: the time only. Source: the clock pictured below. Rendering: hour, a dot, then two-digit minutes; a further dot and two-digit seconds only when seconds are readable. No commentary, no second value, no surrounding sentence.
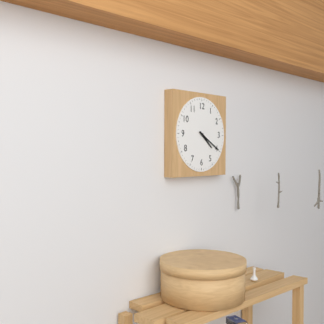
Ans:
4.20
